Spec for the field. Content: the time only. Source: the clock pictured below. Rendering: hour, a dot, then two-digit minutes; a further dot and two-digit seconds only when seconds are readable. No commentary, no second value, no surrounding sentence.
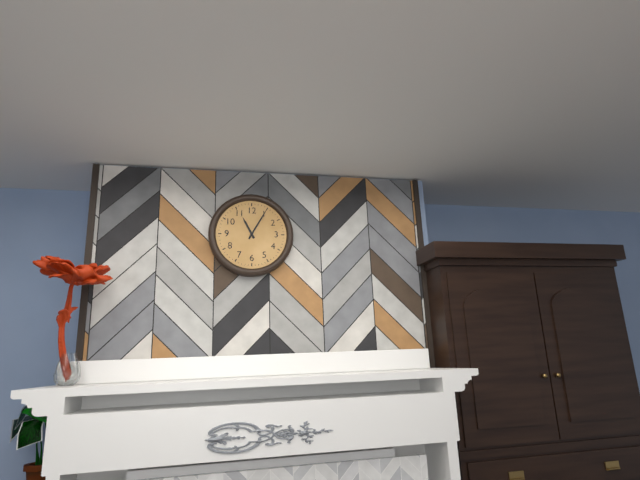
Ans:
11.05
